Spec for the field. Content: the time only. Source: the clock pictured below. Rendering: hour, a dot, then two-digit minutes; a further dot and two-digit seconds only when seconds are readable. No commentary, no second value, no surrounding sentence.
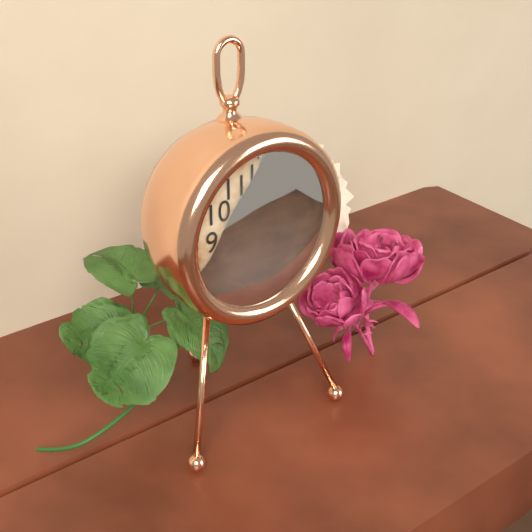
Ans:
11.03
